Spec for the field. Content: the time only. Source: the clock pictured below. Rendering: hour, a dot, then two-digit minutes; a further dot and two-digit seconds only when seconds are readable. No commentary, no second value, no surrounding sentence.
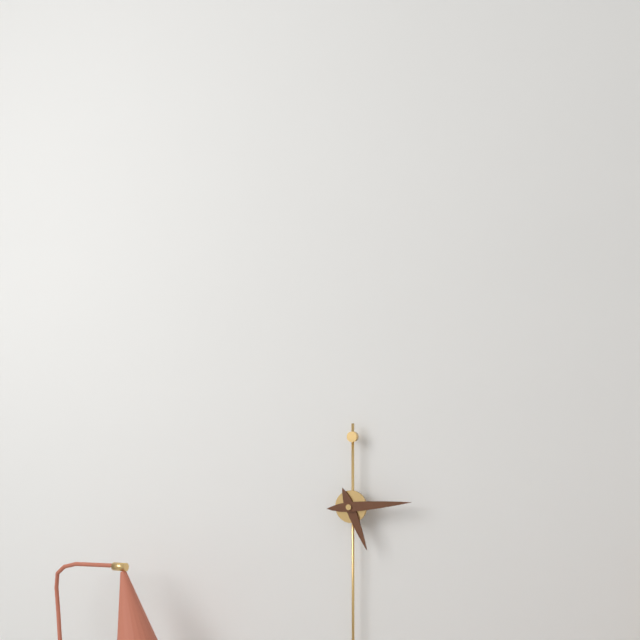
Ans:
5.14
